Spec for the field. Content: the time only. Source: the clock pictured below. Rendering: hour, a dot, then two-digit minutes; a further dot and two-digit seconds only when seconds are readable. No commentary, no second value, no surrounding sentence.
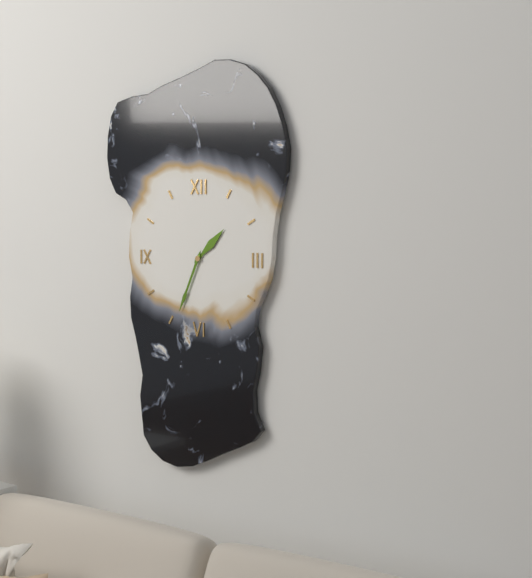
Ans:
1.34
